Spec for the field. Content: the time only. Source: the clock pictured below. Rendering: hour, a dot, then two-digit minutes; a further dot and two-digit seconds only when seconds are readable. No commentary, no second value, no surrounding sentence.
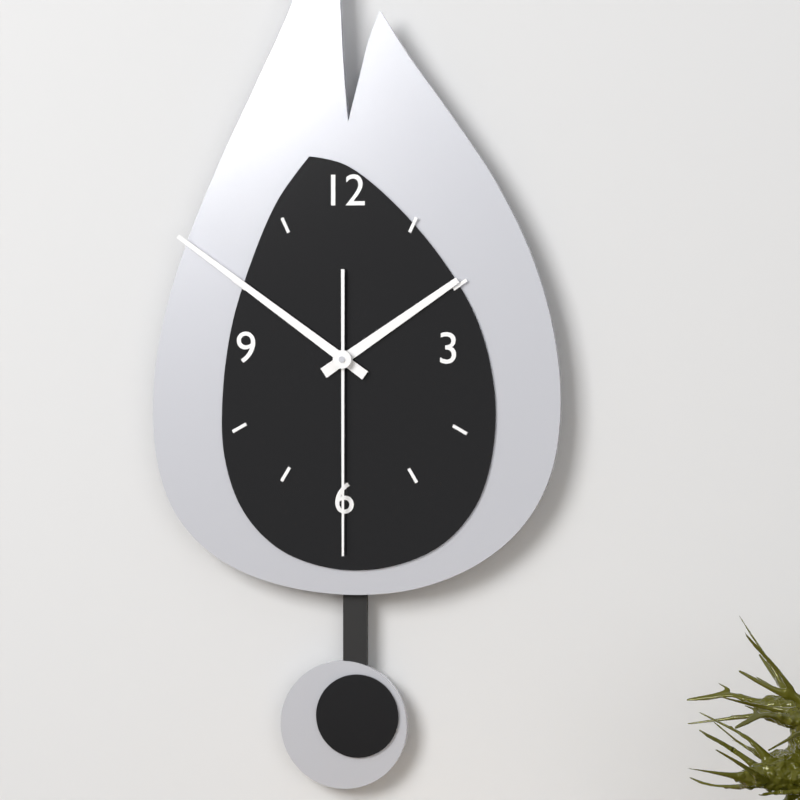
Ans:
1.51.30
